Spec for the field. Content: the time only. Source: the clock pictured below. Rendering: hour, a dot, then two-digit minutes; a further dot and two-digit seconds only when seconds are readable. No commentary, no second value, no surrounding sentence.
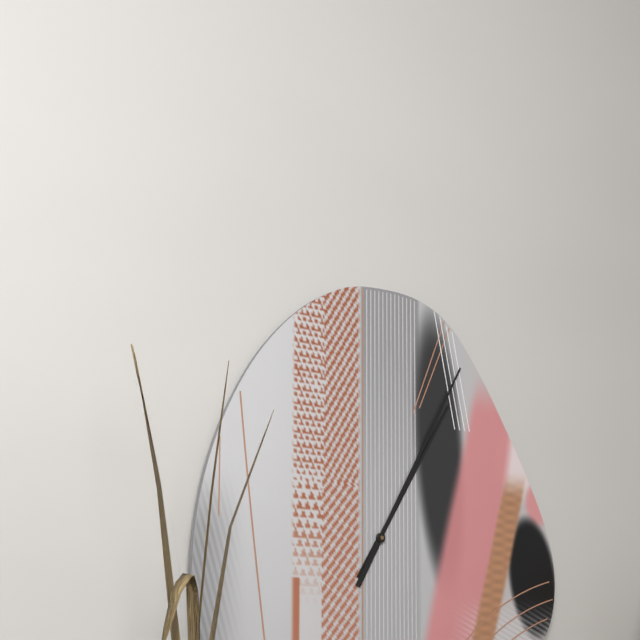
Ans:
1.05
